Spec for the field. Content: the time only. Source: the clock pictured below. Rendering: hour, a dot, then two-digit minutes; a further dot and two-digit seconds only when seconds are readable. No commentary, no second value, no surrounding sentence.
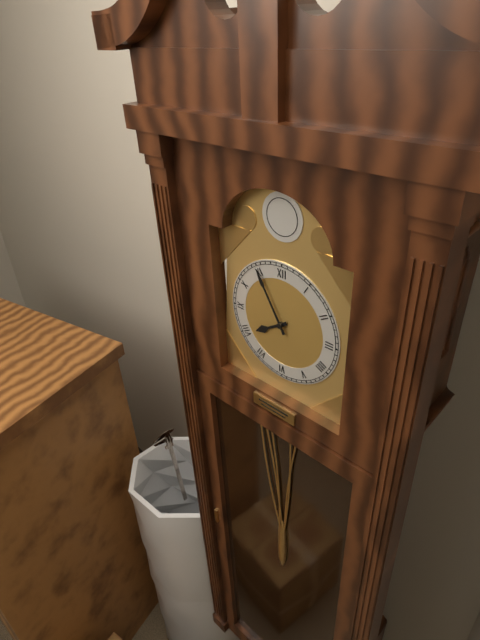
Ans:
7.55
